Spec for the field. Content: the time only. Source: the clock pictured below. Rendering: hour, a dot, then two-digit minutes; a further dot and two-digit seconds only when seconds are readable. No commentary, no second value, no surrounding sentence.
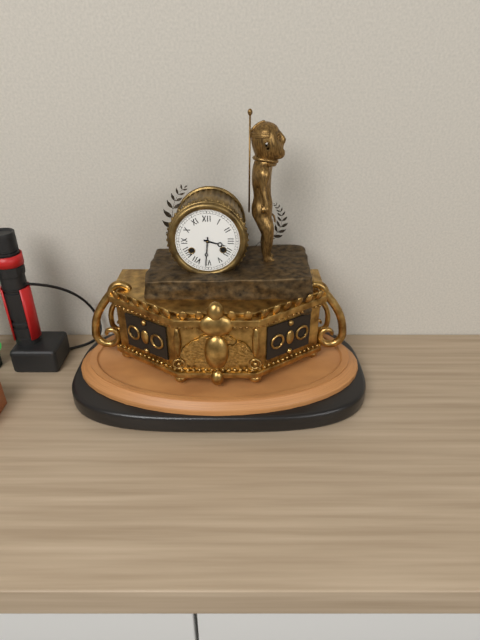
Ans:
3.31
